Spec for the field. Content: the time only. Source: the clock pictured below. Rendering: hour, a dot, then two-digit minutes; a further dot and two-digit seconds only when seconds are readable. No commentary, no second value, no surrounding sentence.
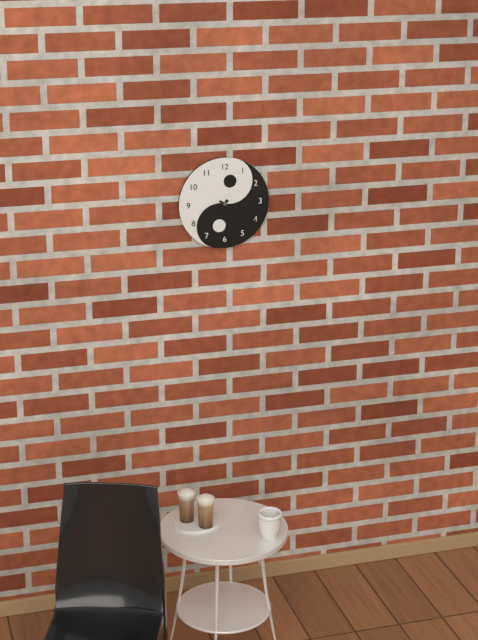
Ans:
7.20
